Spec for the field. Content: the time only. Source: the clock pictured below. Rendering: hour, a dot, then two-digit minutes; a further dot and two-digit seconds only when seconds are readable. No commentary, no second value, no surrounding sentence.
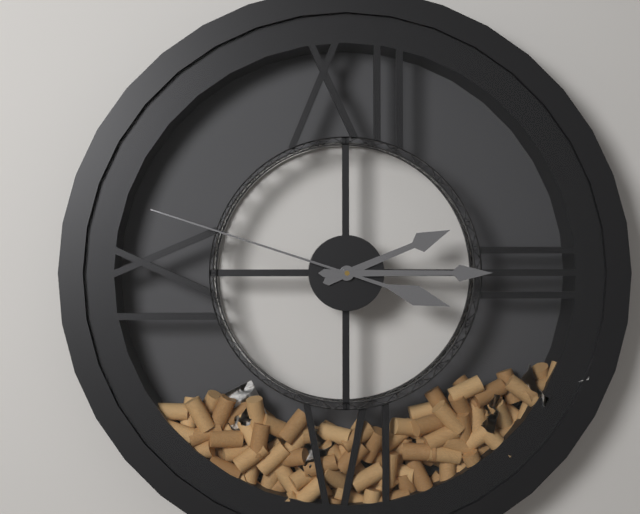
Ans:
2.15.48
